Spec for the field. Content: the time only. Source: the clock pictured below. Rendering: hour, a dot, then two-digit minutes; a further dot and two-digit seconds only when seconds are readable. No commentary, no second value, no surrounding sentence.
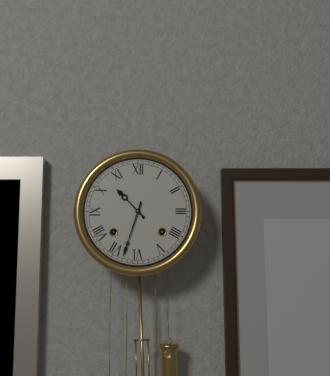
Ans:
10.33
